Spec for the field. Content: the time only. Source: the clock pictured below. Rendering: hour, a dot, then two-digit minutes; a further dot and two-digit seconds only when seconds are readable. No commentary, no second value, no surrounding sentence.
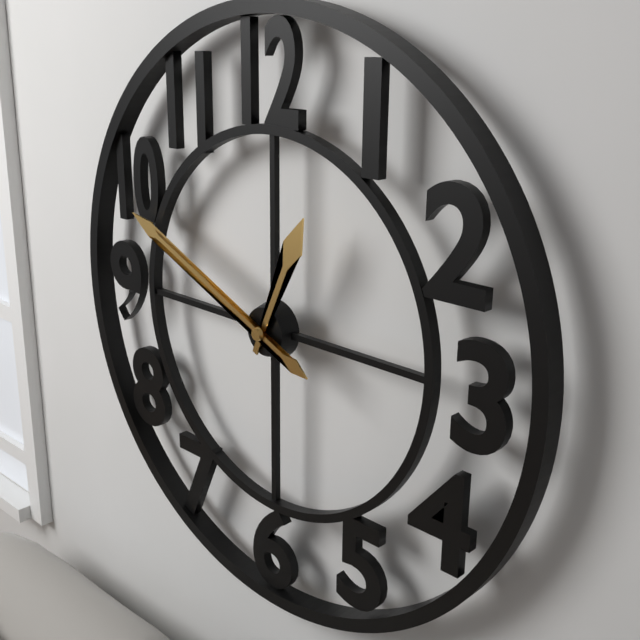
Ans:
12.49
